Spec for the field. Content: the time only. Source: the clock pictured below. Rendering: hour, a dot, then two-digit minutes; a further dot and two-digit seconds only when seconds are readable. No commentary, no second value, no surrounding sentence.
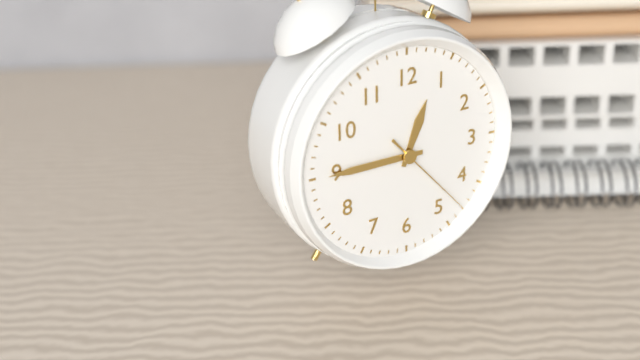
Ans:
12.45.23
